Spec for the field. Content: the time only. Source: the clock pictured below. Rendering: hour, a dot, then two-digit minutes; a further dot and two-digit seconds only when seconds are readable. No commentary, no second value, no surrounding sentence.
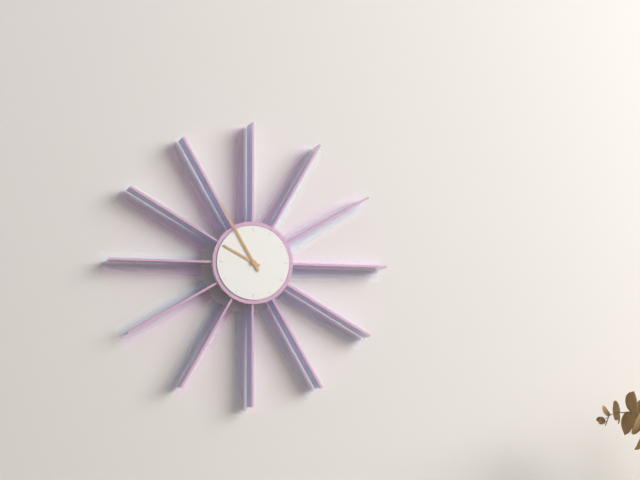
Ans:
9.55
